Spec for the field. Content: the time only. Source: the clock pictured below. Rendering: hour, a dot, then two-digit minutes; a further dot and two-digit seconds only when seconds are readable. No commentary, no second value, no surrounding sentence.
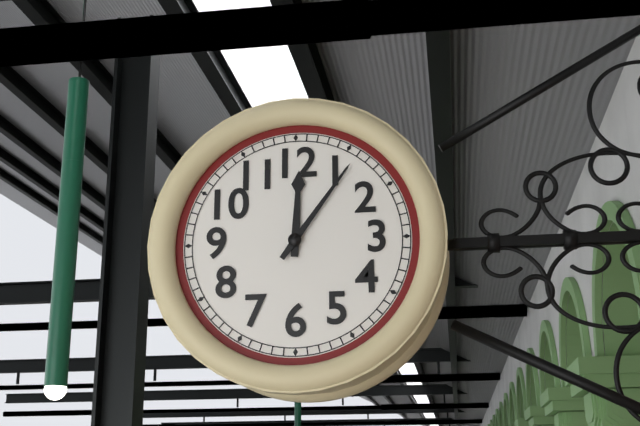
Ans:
12.06
